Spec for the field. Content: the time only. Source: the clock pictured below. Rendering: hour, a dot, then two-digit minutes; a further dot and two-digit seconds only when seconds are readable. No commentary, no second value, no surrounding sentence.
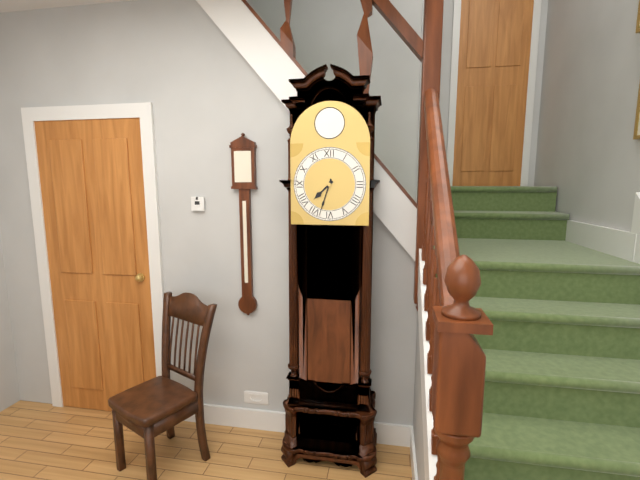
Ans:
7.33
